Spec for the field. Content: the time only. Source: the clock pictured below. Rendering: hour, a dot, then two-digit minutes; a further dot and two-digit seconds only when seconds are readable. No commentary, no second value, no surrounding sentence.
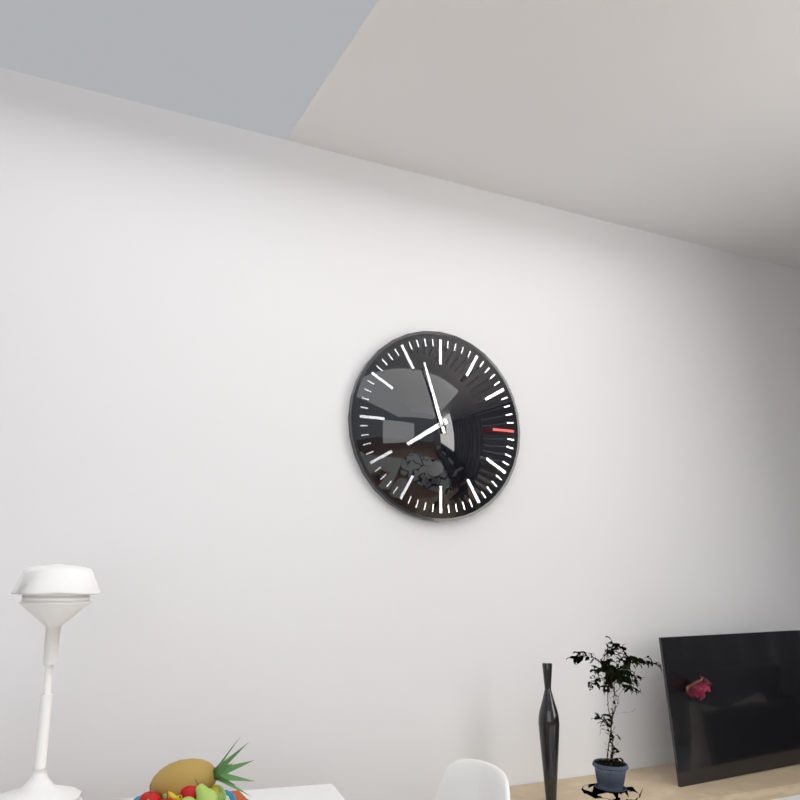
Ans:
7.57
